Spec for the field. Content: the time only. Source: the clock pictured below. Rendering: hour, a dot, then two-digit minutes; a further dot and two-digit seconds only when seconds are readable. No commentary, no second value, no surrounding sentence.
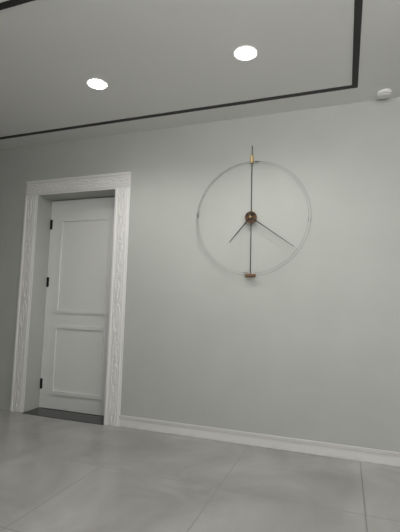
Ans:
7.21
